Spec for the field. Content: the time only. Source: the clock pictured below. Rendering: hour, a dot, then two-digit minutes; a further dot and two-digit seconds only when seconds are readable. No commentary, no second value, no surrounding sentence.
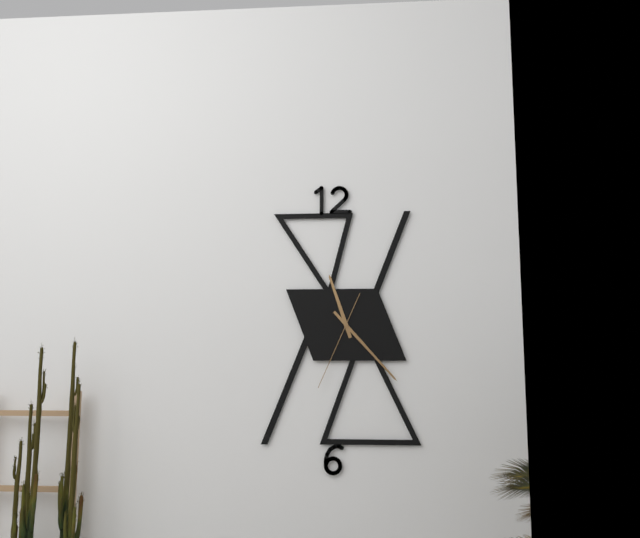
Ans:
11.23.34
